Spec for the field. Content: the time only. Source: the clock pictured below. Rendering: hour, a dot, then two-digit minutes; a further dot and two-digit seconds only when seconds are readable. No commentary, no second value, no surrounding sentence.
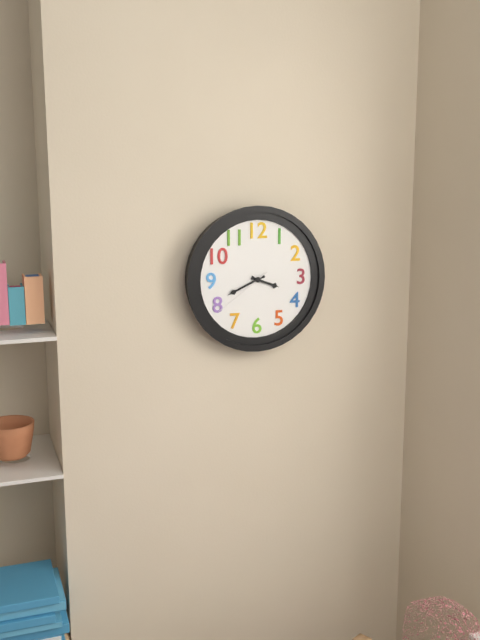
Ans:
3.41.39
